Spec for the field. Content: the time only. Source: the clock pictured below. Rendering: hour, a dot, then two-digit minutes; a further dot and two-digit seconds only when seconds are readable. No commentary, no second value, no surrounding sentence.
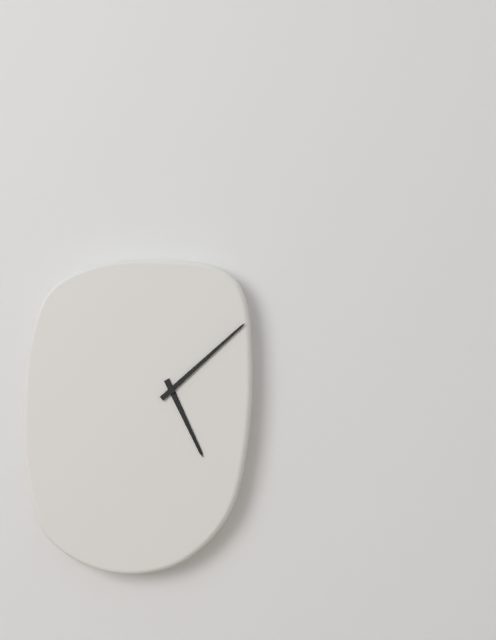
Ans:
5.08
